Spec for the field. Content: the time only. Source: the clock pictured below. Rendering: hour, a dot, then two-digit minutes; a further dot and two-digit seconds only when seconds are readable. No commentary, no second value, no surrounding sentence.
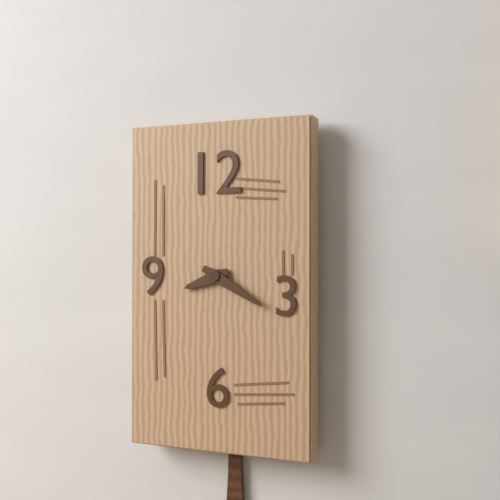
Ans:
8.20
